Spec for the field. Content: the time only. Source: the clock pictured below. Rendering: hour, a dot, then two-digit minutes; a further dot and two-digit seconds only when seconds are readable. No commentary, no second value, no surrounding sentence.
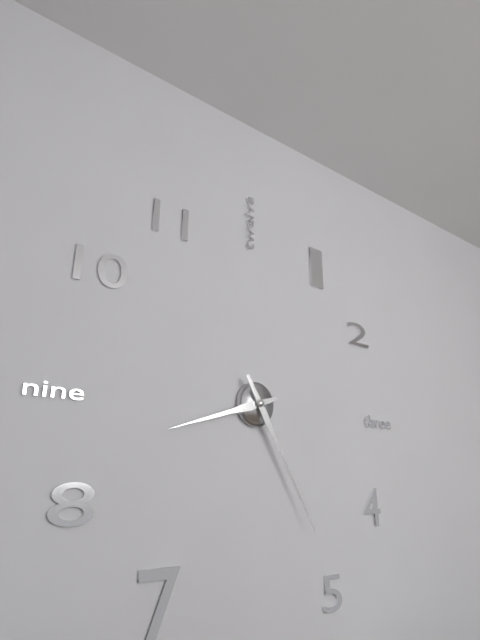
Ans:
8.25
